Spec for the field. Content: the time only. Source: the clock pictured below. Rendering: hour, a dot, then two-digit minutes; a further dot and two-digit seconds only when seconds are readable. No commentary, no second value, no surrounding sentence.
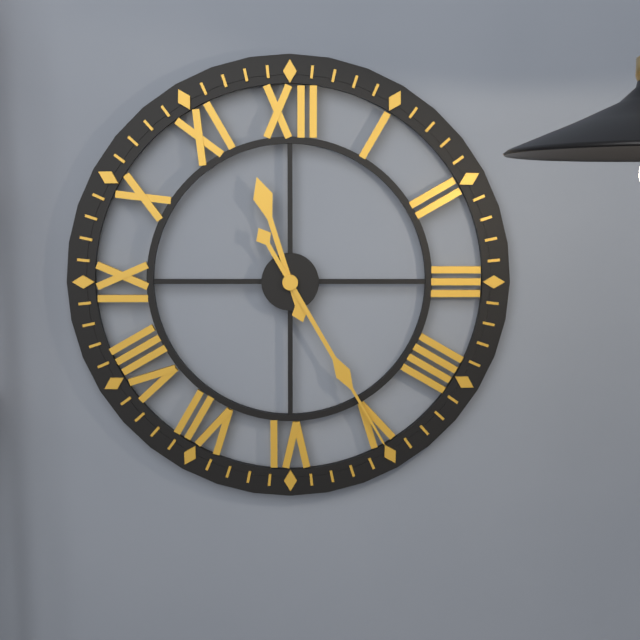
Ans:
11.25
